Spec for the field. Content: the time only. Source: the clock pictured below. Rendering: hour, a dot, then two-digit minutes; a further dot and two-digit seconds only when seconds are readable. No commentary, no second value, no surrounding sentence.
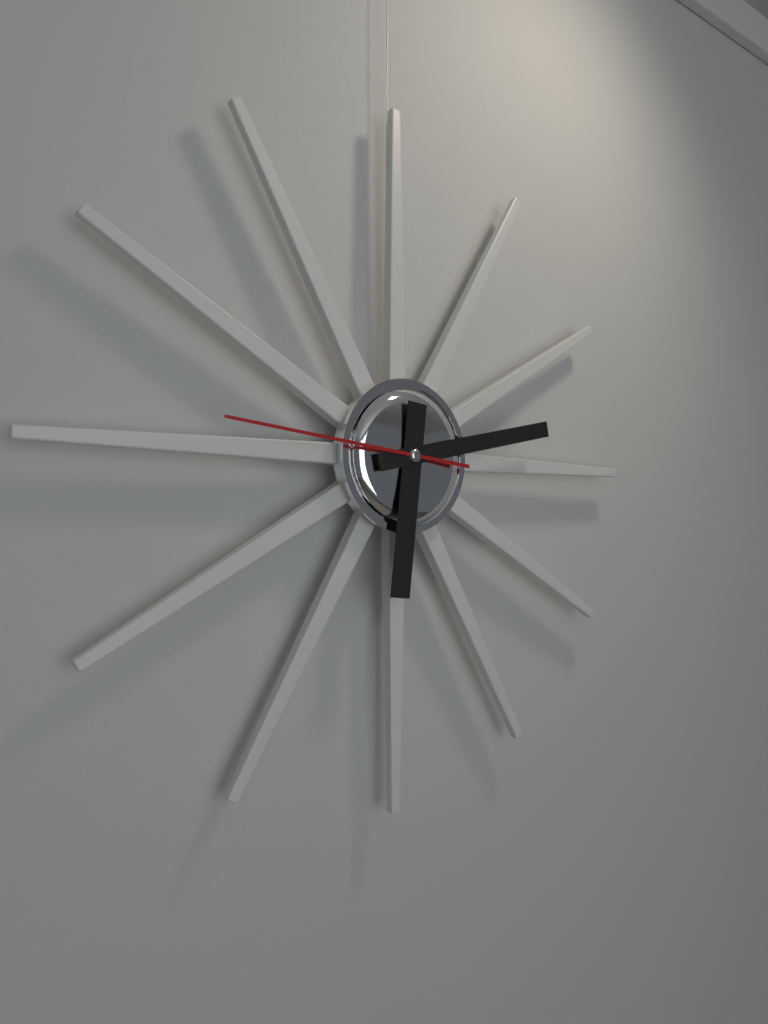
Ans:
6.13.46
